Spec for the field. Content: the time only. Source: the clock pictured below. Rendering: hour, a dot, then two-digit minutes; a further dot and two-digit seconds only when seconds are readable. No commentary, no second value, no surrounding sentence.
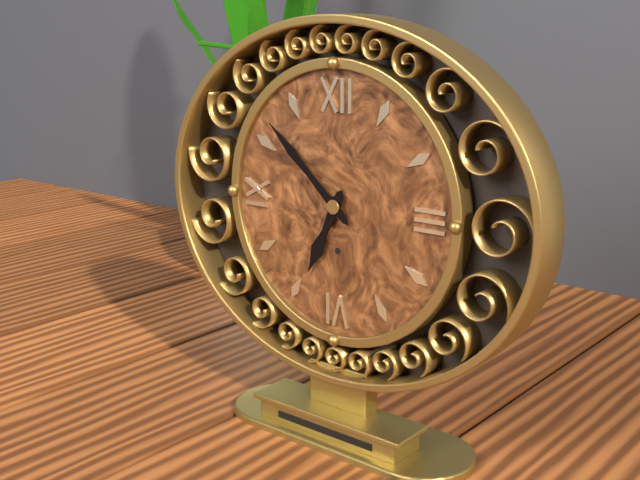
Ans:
6.52
